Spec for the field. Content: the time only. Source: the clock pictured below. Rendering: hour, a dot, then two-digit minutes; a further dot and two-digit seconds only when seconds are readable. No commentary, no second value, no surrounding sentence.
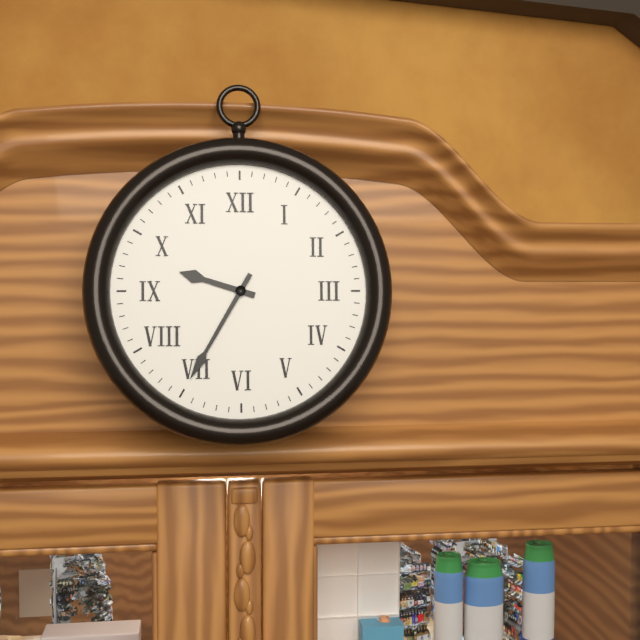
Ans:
9.35
